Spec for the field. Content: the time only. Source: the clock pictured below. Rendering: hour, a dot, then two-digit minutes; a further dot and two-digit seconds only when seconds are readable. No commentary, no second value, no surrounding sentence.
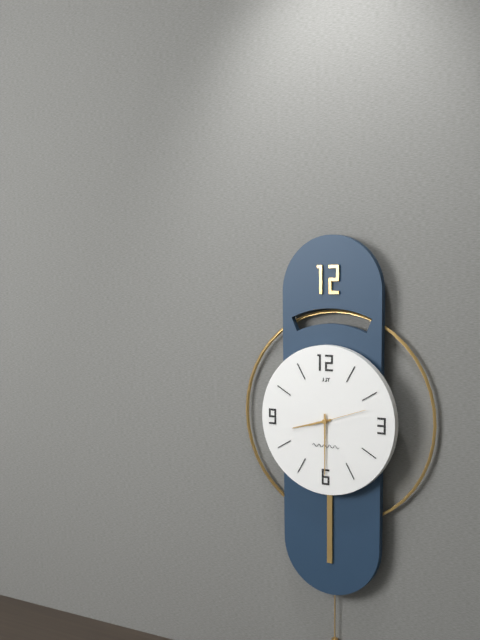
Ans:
8.30
